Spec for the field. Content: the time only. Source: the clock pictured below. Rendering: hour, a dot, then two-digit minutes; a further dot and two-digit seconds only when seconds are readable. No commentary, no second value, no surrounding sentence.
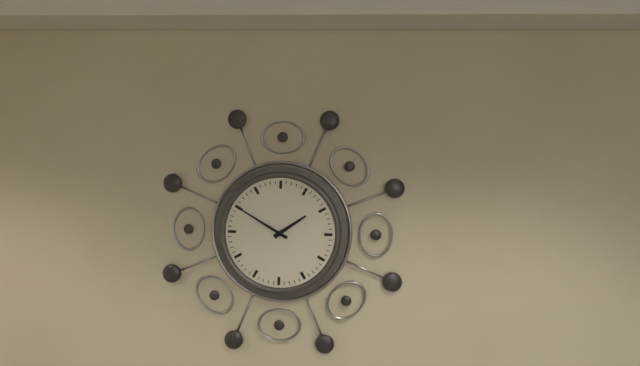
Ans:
1.50
